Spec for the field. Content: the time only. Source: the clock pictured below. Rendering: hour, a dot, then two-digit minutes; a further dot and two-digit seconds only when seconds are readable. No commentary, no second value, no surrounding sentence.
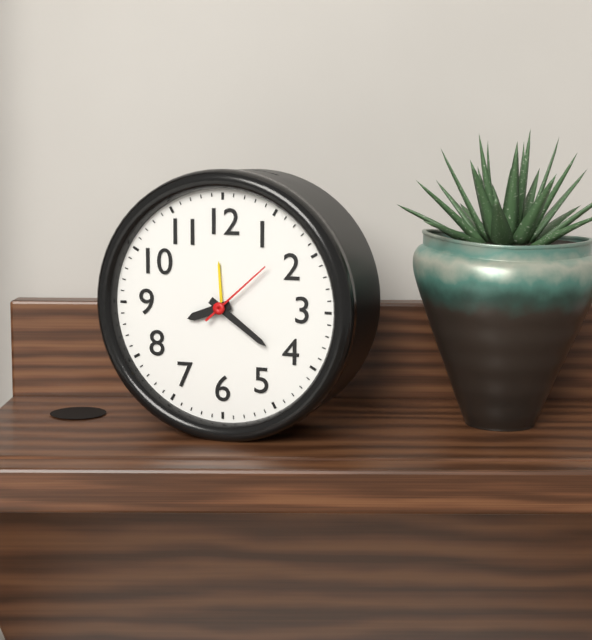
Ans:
8.21.08
